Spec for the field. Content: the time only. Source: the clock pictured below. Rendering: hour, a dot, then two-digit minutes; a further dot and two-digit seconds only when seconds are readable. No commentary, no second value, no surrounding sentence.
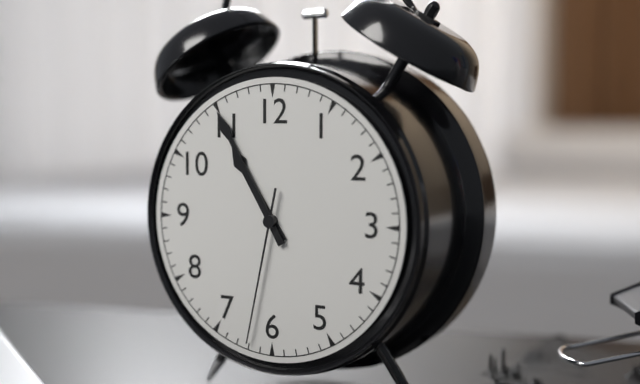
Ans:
10.55.32
